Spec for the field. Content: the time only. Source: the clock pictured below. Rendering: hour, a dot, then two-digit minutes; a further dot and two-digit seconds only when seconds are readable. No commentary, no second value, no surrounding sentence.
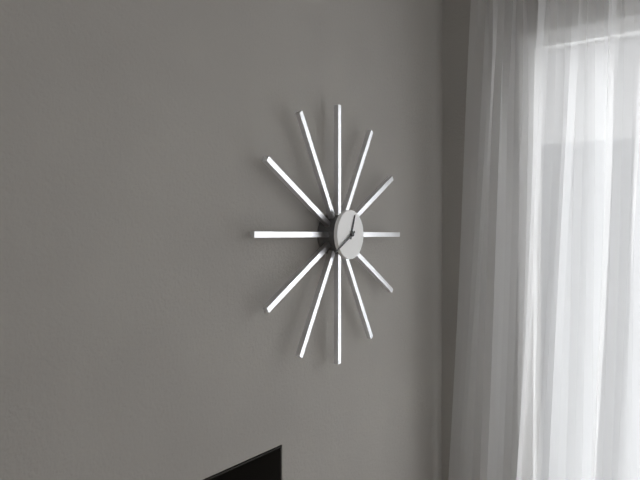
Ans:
12.40
